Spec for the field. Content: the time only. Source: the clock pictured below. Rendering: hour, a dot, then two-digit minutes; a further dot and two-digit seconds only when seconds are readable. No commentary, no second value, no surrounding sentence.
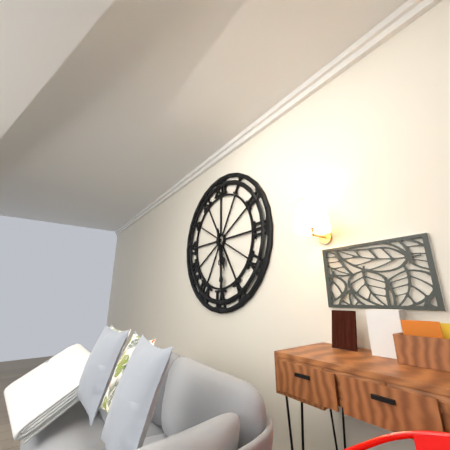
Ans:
5.29
